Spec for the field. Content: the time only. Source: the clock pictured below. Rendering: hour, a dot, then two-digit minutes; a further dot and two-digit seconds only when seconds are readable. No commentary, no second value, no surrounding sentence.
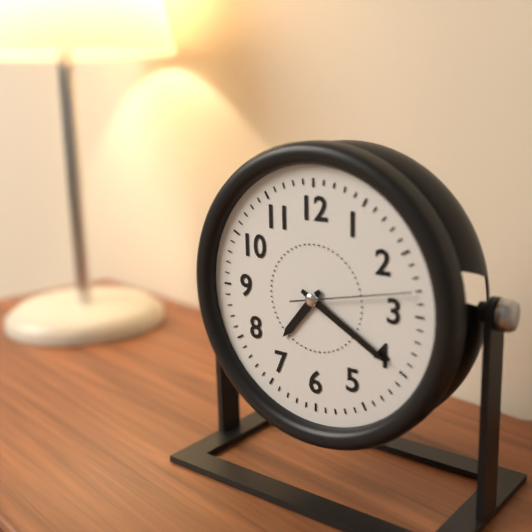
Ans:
7.20.13
